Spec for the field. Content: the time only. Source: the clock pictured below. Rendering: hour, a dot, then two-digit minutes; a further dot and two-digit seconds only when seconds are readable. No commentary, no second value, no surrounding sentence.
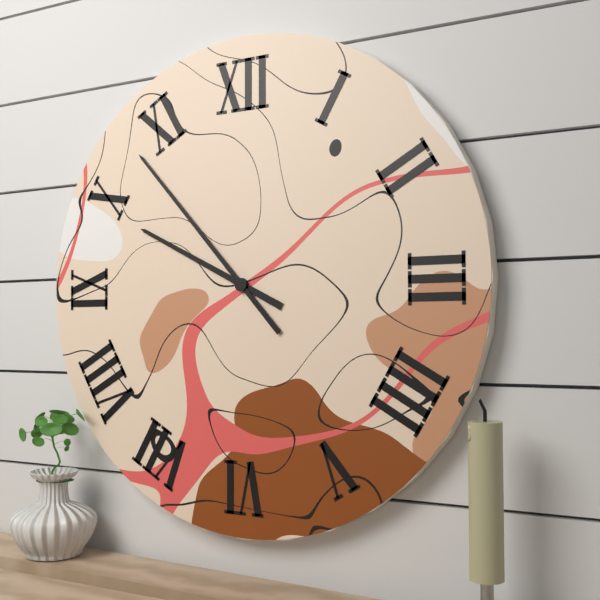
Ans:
9.53
